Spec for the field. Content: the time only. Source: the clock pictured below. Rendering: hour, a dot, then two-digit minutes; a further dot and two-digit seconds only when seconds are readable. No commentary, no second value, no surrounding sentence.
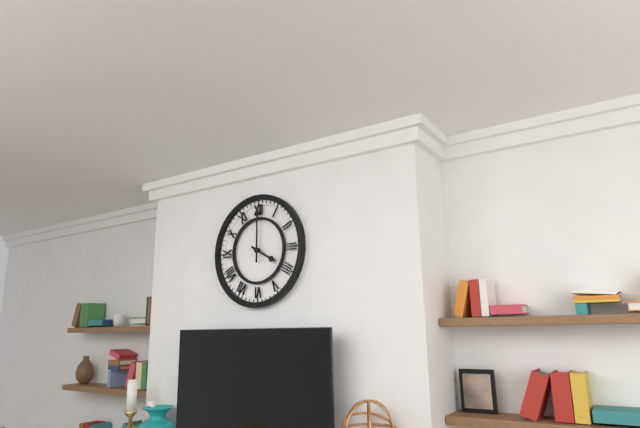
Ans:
4.00
